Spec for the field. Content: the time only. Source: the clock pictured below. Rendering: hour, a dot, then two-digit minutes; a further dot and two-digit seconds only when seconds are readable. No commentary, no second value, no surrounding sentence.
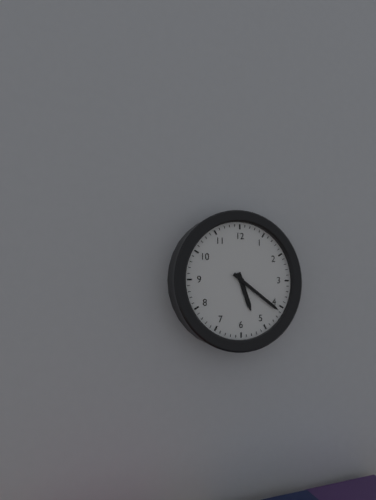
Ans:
5.21
